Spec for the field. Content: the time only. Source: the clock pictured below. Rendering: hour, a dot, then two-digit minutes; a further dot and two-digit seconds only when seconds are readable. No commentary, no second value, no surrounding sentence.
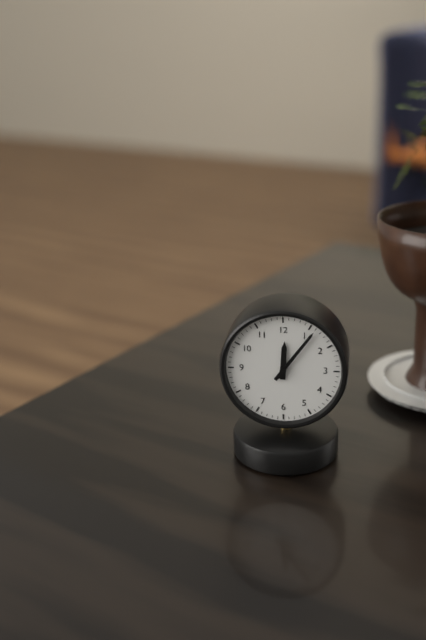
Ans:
12.06
